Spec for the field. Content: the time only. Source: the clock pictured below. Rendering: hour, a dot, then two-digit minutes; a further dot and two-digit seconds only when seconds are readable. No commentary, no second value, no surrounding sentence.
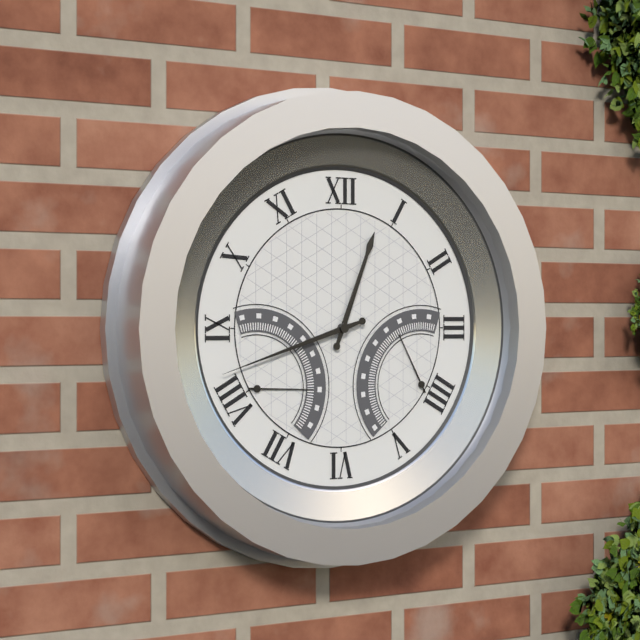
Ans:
12.42
